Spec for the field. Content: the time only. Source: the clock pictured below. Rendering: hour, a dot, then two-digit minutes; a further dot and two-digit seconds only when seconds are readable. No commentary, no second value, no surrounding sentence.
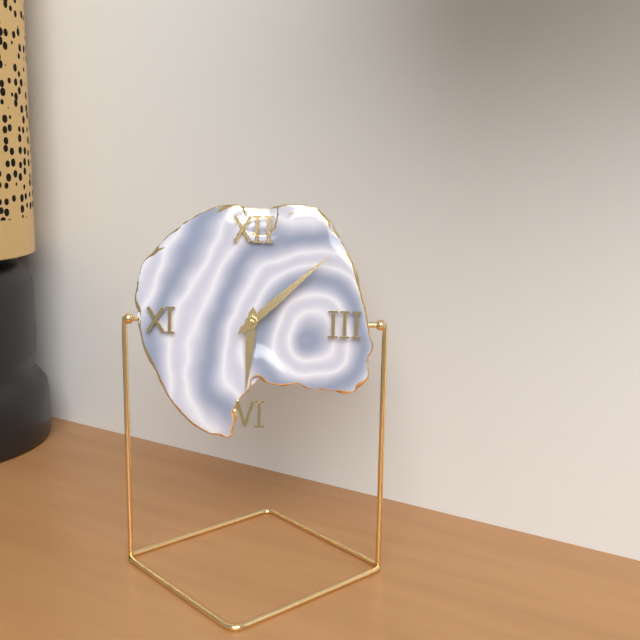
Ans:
6.08
